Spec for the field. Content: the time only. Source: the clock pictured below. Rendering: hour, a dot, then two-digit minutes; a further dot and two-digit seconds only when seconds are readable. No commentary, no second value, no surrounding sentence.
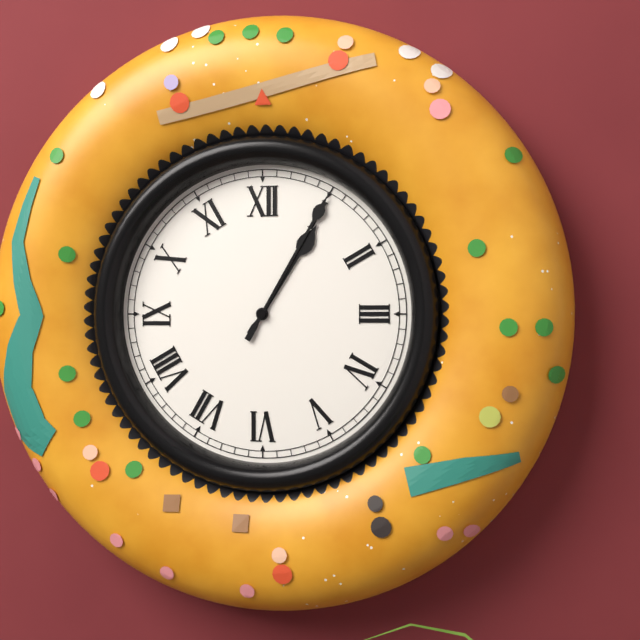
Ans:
1.05
